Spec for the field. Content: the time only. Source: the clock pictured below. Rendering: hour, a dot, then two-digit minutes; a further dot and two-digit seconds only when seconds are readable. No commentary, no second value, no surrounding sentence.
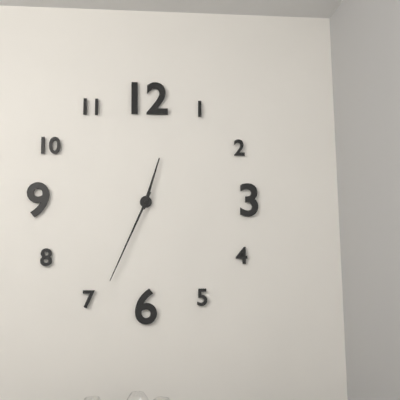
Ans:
12.34
